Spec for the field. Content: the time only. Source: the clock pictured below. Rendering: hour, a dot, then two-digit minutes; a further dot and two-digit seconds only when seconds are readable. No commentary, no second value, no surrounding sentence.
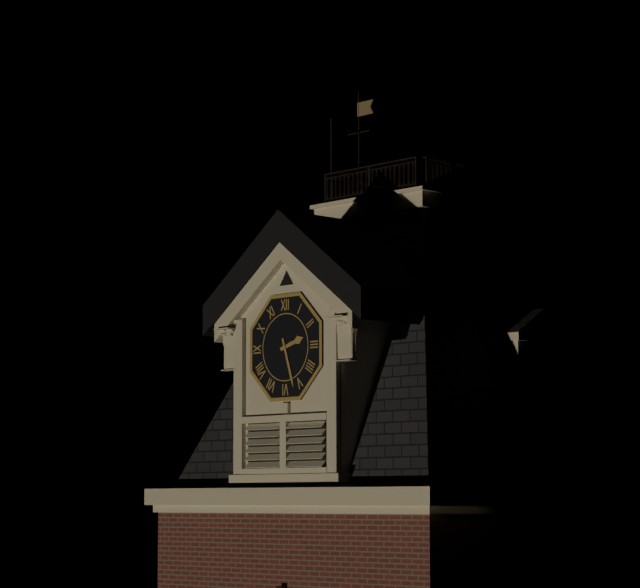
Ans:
2.27
